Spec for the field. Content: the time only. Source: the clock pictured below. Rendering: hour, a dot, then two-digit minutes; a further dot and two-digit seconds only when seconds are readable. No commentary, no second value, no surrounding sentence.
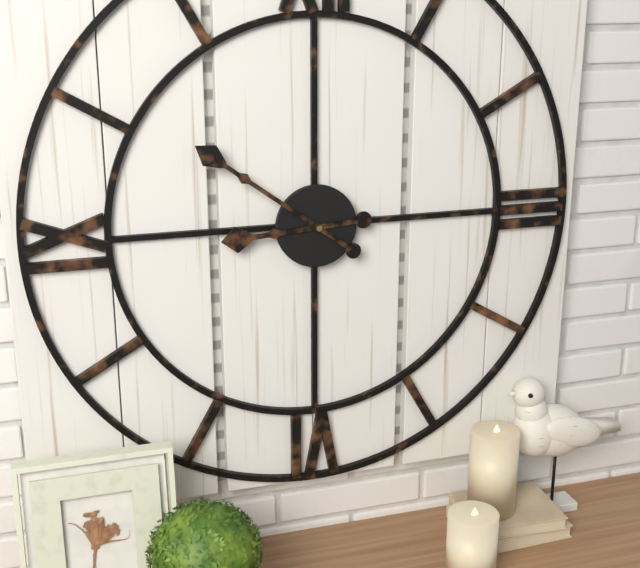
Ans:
8.51
